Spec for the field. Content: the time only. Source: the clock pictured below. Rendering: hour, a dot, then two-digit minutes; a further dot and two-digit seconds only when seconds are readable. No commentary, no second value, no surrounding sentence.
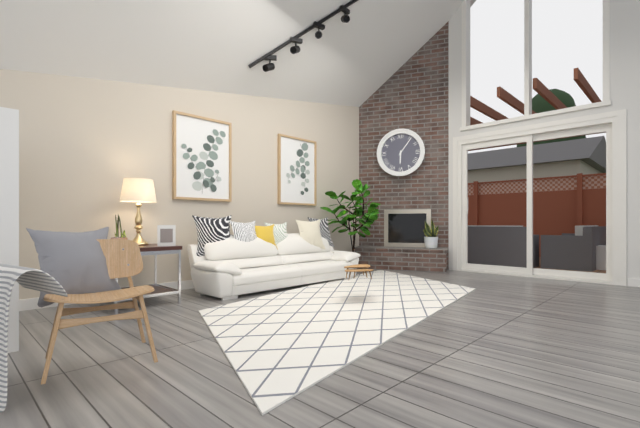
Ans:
6.06
